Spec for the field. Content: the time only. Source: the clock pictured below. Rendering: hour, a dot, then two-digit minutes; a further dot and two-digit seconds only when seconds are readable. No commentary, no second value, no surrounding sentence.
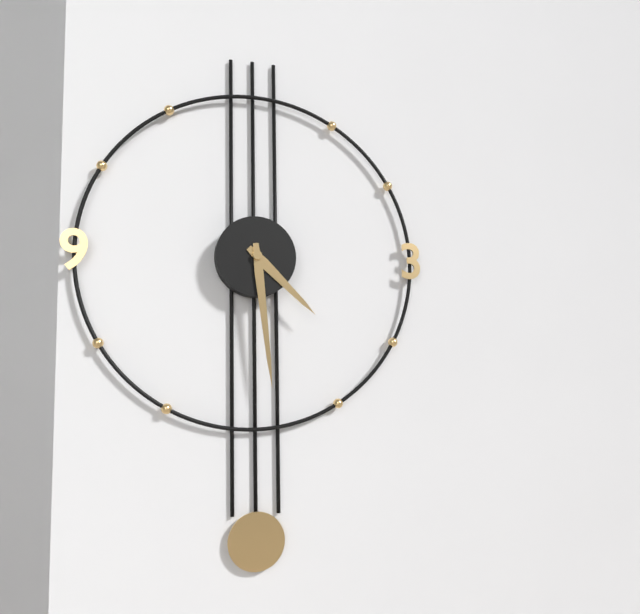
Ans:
4.29
